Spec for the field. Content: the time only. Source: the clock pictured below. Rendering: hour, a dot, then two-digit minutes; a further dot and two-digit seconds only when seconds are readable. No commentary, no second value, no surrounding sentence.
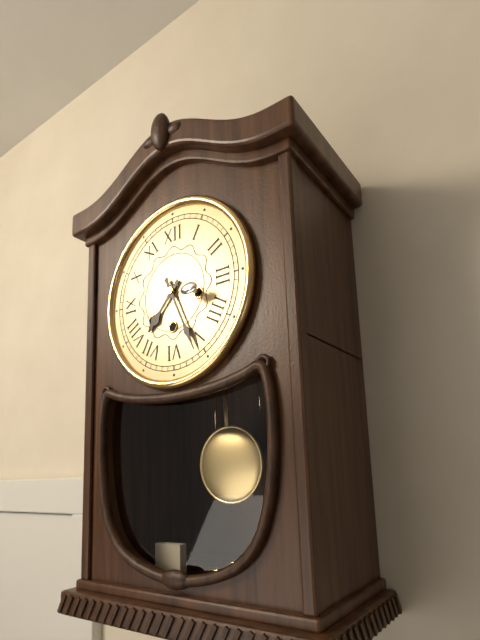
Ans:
7.26
